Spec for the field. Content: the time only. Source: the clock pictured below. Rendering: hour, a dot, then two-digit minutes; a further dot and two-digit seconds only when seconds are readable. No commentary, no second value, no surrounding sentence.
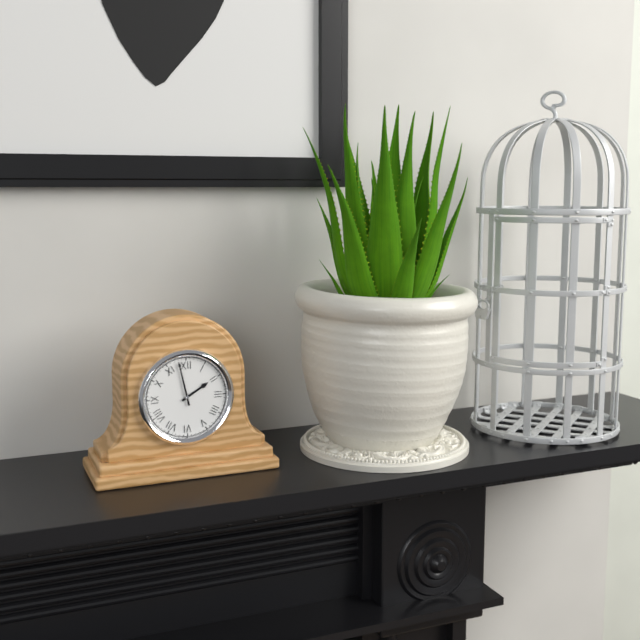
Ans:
1.58
